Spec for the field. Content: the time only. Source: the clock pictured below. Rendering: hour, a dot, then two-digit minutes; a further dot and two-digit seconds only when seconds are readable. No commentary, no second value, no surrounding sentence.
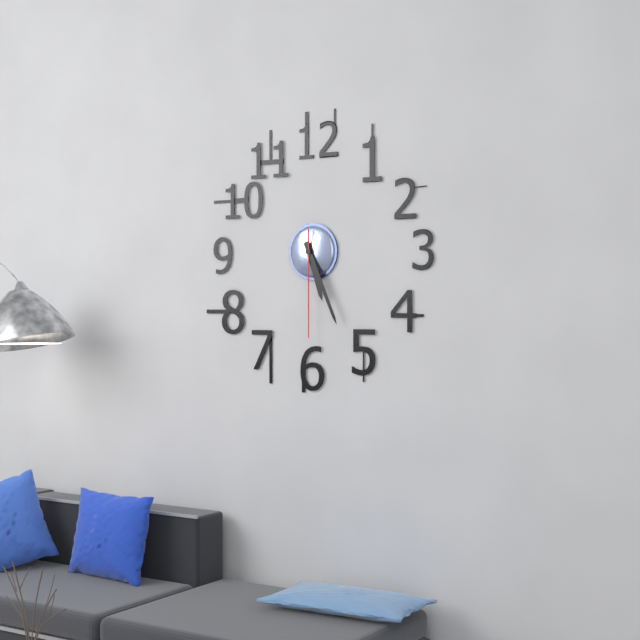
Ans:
5.26.30
